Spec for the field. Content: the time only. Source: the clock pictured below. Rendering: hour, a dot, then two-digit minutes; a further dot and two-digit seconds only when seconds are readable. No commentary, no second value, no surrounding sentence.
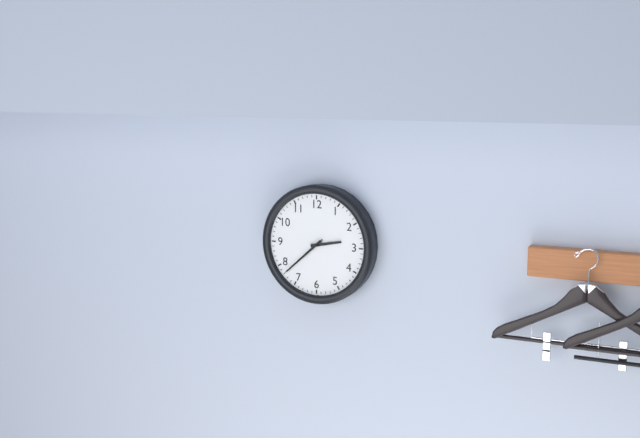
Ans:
2.38.38
